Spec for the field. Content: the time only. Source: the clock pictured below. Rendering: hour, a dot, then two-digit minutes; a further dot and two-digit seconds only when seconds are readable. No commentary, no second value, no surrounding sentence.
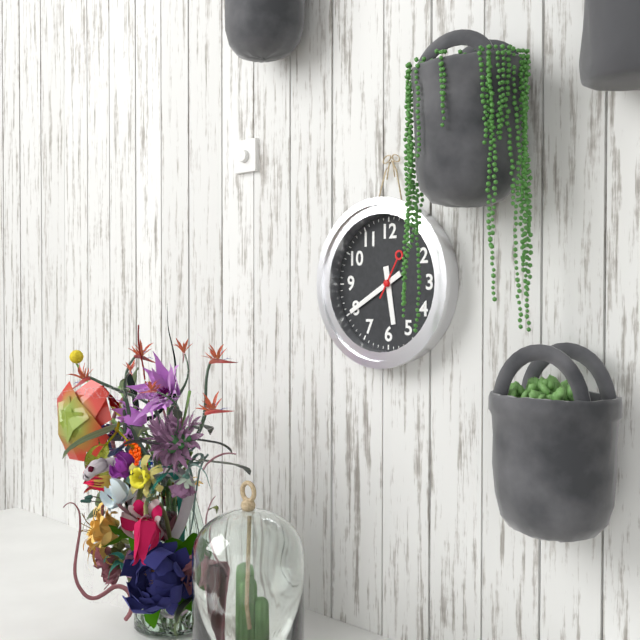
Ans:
5.40
